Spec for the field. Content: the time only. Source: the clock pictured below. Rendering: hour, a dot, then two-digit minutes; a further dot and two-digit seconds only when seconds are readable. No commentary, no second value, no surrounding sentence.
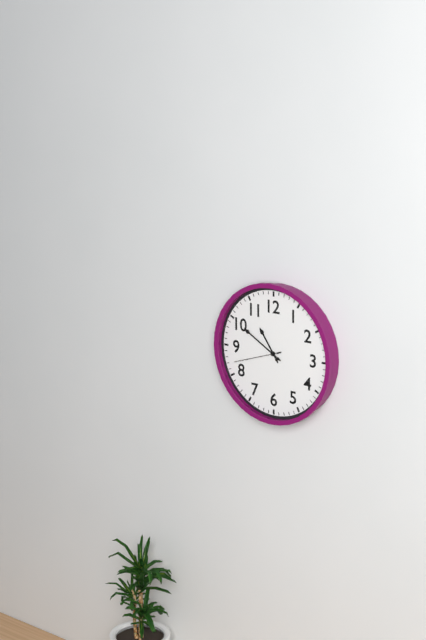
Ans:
10.50
